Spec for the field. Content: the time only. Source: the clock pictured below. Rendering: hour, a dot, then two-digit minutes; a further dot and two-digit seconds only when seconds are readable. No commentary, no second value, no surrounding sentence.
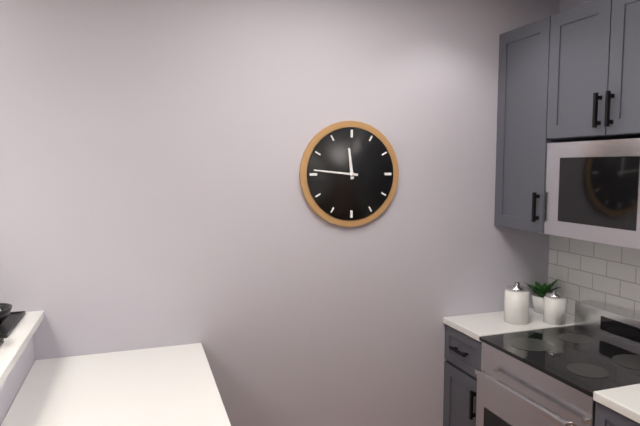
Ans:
11.46
